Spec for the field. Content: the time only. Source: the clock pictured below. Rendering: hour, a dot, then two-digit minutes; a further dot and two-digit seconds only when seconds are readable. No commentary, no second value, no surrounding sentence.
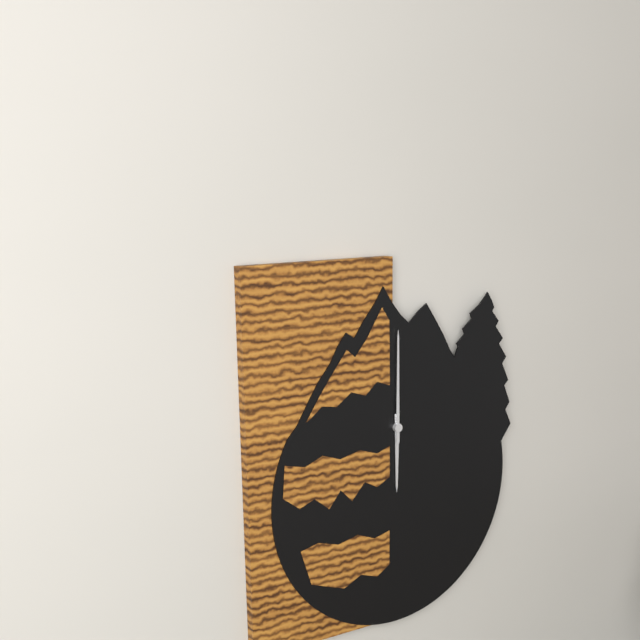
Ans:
6.00
